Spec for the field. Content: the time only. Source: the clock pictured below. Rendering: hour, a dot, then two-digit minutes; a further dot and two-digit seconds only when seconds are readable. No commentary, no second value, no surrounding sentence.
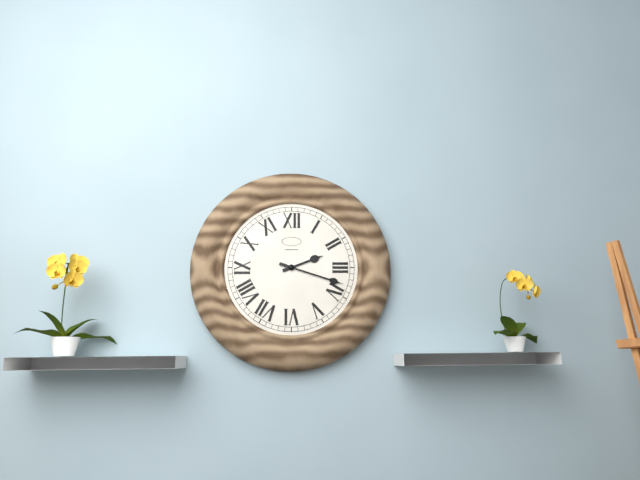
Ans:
2.18
